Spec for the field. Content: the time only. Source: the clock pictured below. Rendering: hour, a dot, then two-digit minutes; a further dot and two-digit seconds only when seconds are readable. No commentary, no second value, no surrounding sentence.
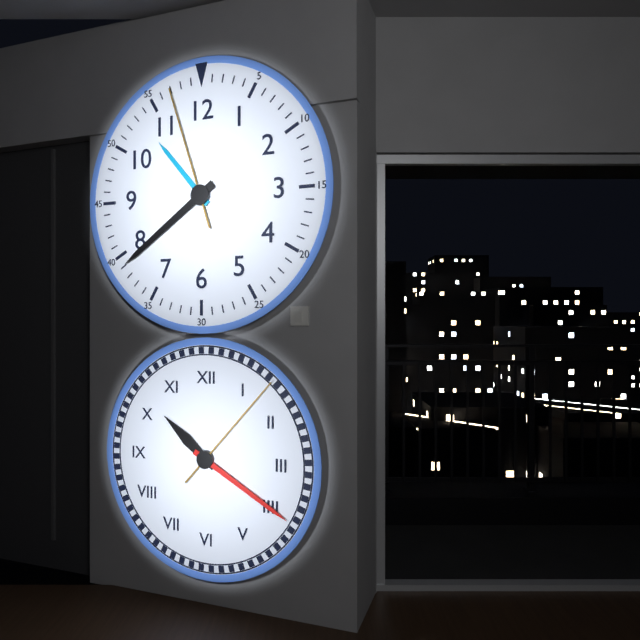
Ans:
10.39.57
